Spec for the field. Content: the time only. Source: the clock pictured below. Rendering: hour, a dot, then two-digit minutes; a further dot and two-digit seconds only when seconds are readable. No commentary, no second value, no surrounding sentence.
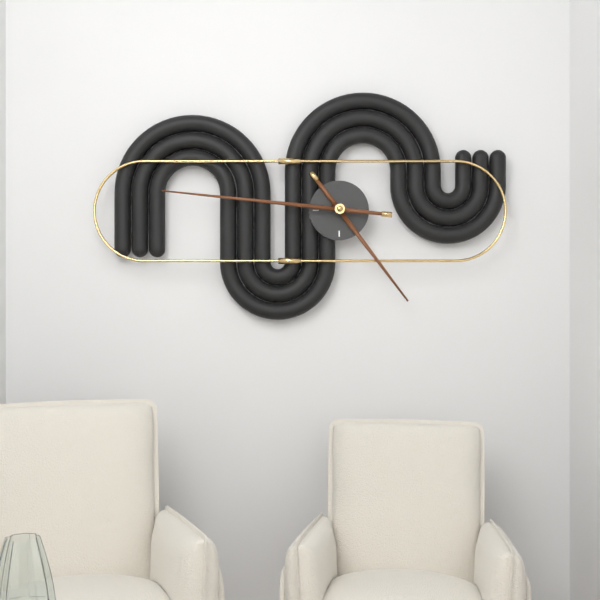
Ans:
4.46
